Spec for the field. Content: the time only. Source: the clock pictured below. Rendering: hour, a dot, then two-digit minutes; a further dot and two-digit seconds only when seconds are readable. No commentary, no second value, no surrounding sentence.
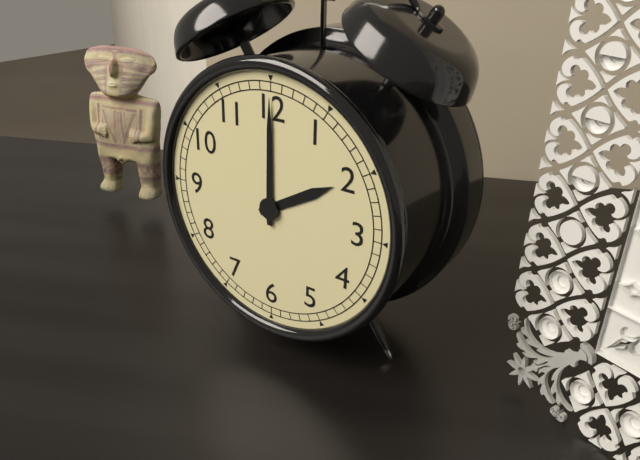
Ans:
2.00
